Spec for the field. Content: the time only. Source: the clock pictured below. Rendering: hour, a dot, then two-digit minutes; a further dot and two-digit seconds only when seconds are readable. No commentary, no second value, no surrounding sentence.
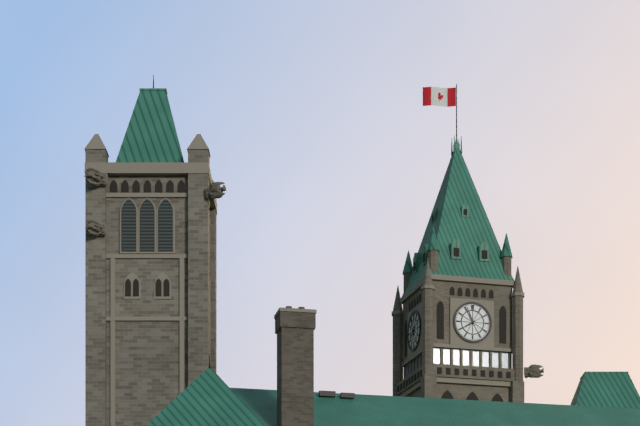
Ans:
7.56
